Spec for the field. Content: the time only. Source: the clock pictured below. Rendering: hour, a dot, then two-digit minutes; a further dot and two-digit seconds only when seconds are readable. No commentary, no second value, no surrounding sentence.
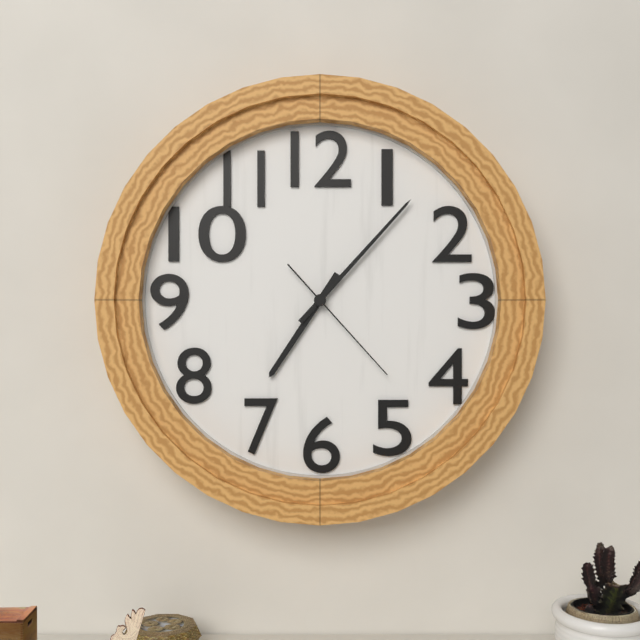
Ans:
7.07.23
